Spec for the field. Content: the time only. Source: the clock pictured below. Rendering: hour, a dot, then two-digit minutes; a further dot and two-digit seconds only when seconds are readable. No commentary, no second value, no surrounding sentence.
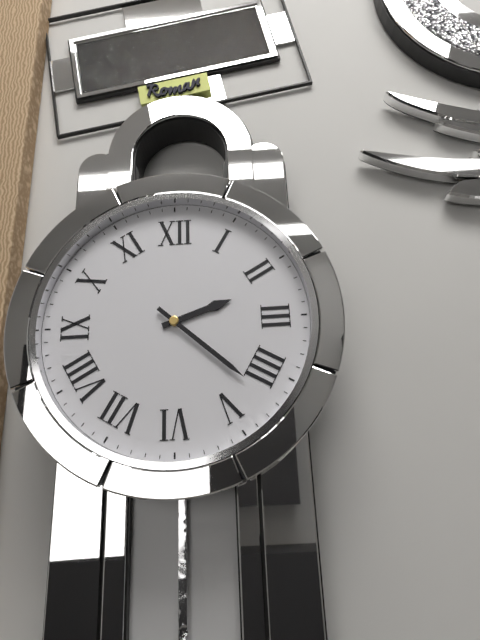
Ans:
2.22
